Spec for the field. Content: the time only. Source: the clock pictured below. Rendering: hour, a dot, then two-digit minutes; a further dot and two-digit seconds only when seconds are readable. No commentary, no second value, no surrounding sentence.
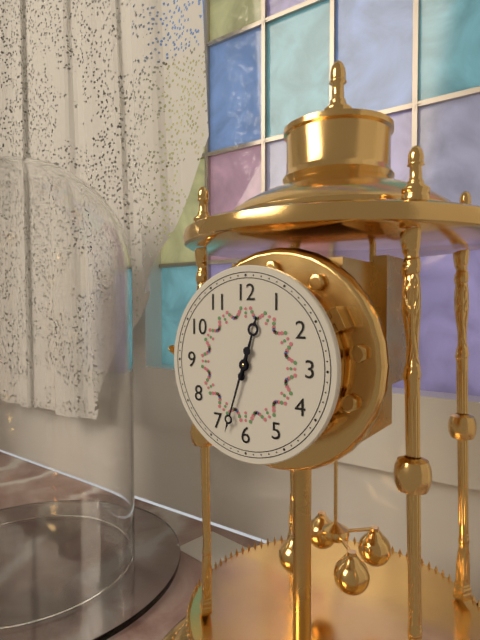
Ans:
12.33
